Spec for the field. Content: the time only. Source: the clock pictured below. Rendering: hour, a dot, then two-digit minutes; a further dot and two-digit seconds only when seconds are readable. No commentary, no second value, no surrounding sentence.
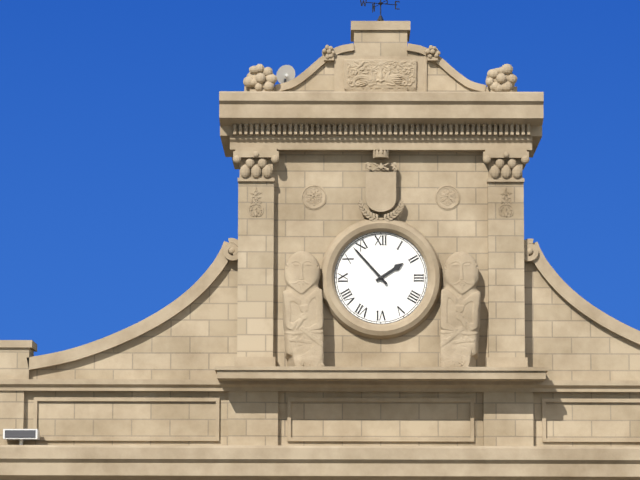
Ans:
1.53
